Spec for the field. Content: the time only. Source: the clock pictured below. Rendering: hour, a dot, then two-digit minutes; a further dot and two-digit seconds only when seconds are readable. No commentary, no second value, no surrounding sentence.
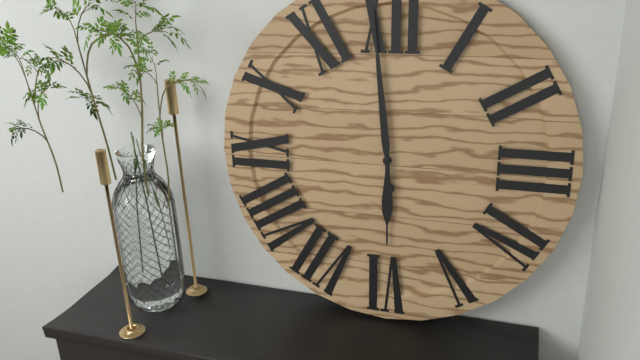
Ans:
5.59
